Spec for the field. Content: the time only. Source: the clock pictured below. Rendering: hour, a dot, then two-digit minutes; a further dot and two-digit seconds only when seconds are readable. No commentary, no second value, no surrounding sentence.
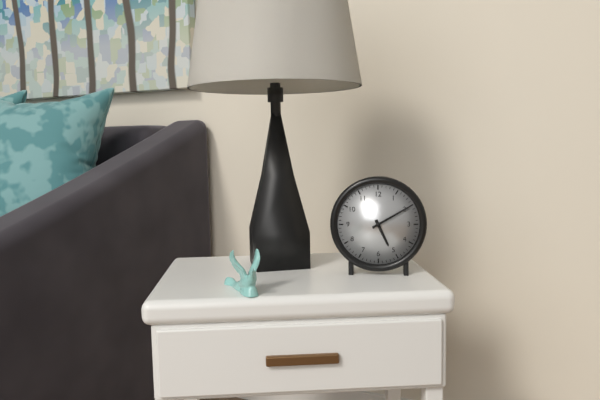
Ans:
5.10
